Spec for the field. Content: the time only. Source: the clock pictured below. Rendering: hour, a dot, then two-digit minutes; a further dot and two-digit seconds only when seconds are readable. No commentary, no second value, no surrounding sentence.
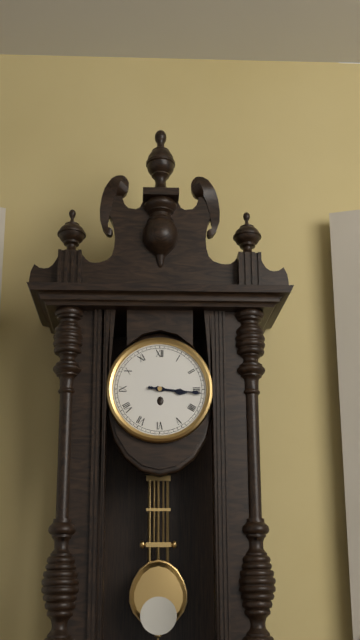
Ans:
3.16
